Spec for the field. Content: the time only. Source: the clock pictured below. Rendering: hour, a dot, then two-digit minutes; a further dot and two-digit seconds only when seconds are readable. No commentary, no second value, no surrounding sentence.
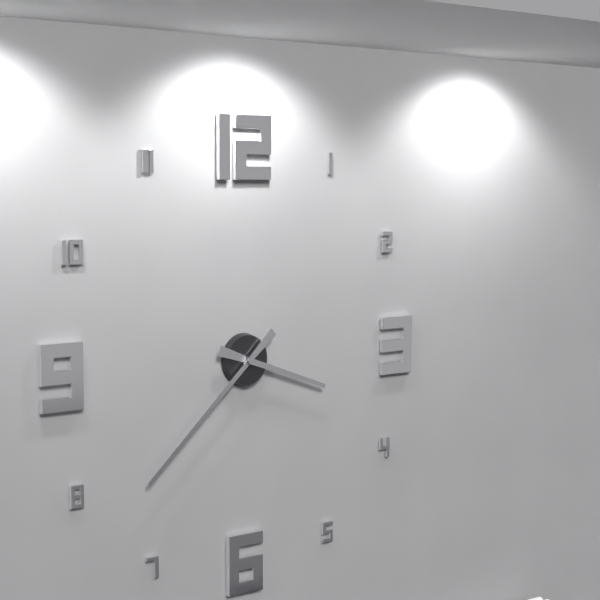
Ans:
3.38
